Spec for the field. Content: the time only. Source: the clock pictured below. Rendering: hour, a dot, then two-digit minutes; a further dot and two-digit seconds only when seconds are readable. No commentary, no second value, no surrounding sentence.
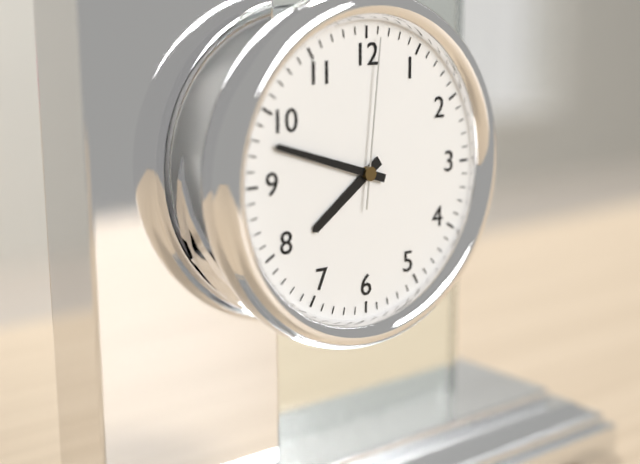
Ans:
7.48.01
